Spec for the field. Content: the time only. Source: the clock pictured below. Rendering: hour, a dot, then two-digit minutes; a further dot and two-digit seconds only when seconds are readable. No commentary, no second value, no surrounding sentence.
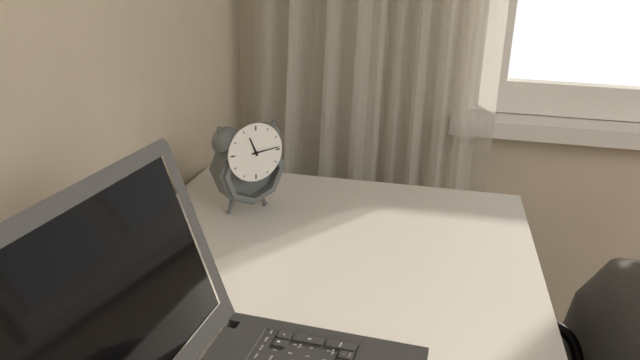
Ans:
11.14
